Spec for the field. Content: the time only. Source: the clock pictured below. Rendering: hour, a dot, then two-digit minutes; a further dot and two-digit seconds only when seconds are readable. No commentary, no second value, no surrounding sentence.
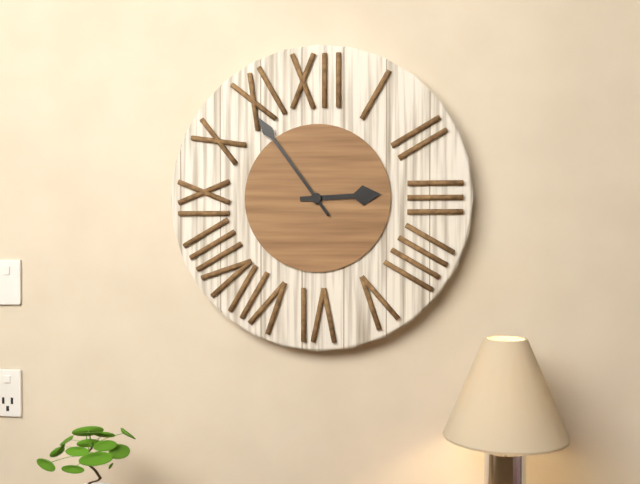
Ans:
2.54
